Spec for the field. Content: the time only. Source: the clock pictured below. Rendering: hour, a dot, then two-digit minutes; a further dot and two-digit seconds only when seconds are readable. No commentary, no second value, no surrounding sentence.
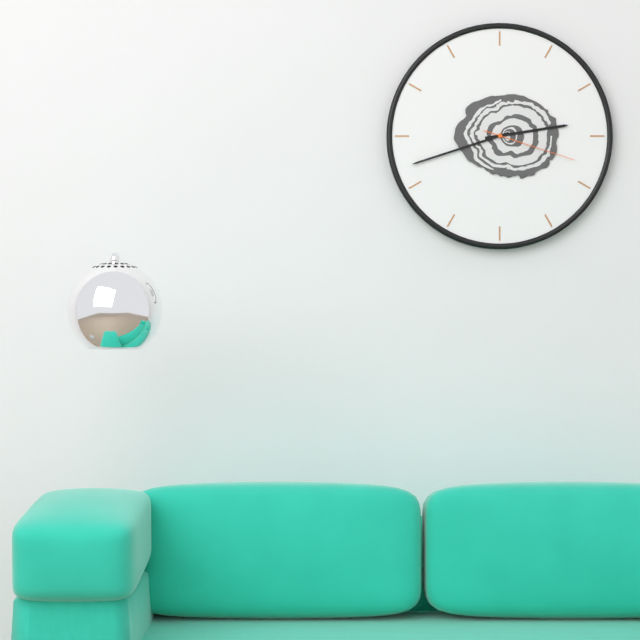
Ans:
2.42.18
